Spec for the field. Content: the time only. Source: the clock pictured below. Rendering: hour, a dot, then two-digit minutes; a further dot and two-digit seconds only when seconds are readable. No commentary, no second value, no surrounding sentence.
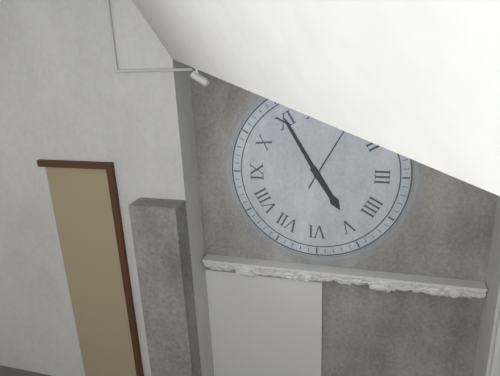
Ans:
4.55
